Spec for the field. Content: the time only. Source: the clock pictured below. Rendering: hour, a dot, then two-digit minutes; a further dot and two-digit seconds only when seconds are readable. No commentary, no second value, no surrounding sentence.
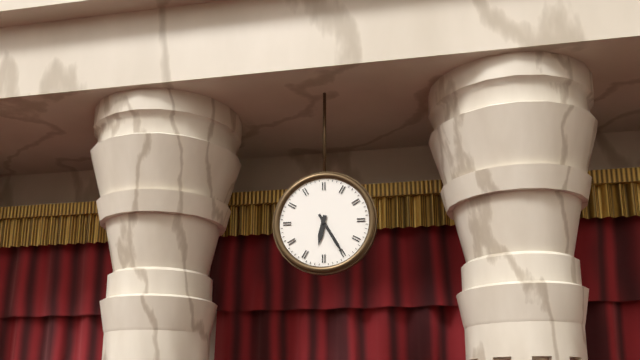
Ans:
6.25
